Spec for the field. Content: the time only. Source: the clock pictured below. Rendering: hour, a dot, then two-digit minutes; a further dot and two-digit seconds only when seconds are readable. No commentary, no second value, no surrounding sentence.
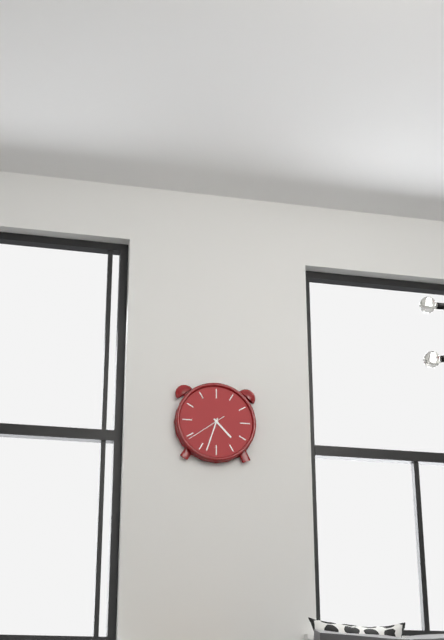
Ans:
4.33
